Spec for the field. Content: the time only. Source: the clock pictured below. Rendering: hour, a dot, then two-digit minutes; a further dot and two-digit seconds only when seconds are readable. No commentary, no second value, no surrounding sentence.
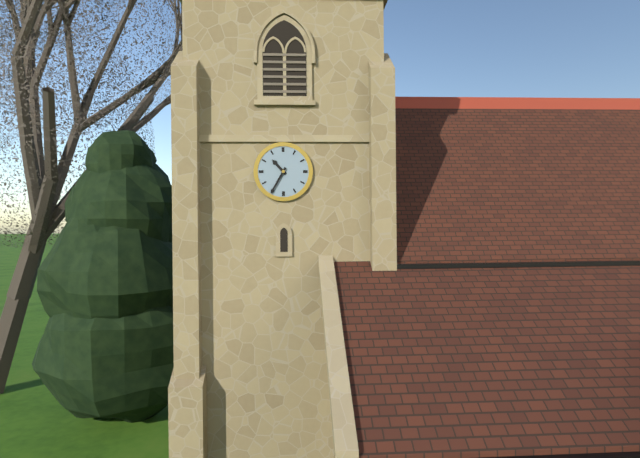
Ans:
10.35
